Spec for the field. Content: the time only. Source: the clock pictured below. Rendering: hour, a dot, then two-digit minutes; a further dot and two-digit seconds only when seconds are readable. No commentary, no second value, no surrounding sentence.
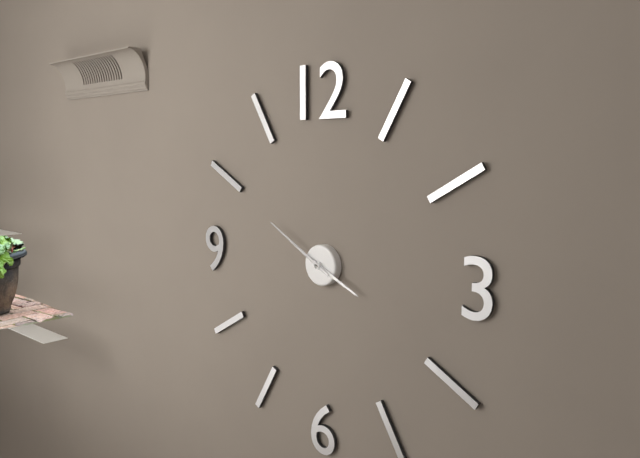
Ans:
3.50
